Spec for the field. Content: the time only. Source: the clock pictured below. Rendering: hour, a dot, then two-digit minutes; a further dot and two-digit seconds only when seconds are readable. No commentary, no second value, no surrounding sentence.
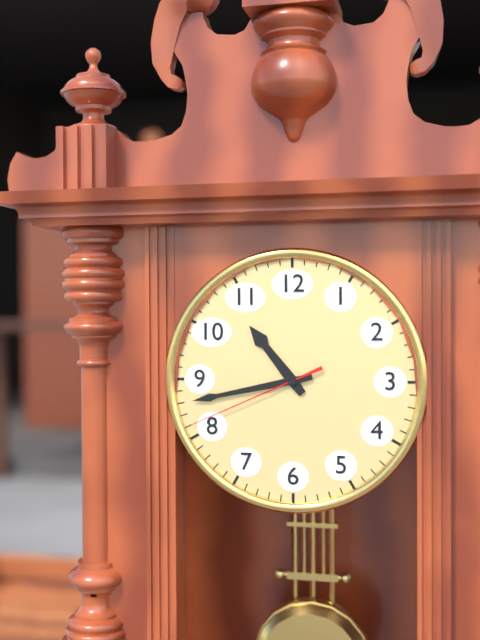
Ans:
10.43.41
